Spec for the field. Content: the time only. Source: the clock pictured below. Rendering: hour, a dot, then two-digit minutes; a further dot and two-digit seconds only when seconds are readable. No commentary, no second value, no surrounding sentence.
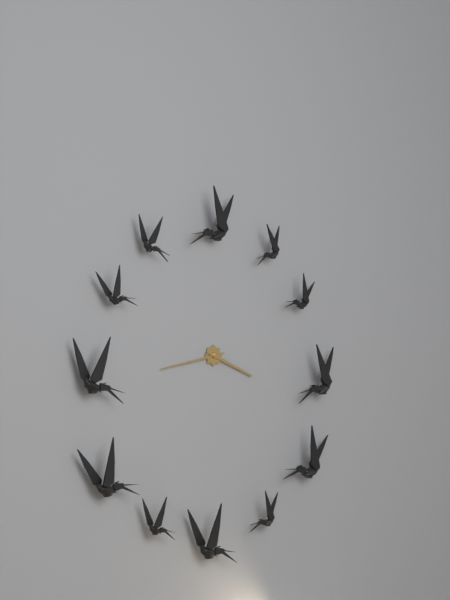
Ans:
3.43
